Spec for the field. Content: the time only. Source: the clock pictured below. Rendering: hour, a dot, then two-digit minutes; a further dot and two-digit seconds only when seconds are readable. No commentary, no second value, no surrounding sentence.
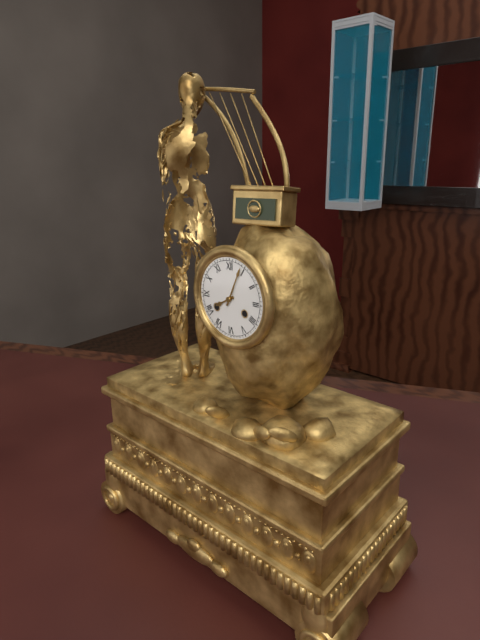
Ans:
8.04
